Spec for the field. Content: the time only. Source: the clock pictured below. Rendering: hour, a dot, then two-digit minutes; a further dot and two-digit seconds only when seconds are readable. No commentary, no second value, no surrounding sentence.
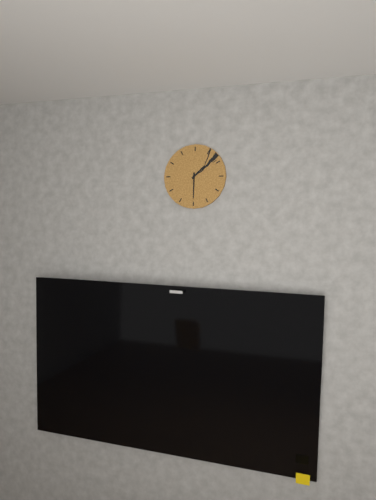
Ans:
1.30
